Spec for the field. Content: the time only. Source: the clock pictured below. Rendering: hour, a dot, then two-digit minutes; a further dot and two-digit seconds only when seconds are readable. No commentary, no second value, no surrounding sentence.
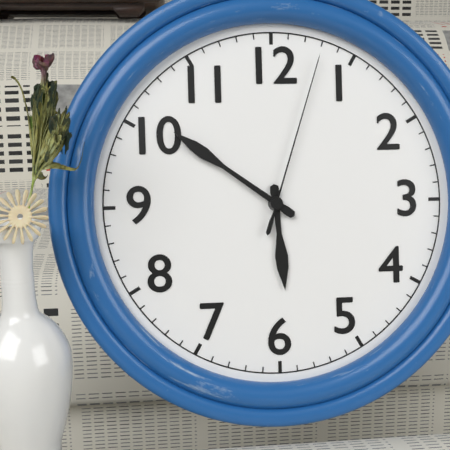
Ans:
5.51.03
